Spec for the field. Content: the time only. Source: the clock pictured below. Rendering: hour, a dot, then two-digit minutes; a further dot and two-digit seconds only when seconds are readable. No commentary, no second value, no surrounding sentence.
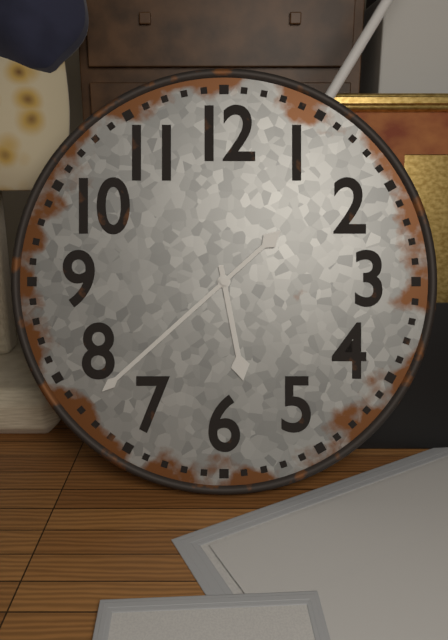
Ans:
5.38
